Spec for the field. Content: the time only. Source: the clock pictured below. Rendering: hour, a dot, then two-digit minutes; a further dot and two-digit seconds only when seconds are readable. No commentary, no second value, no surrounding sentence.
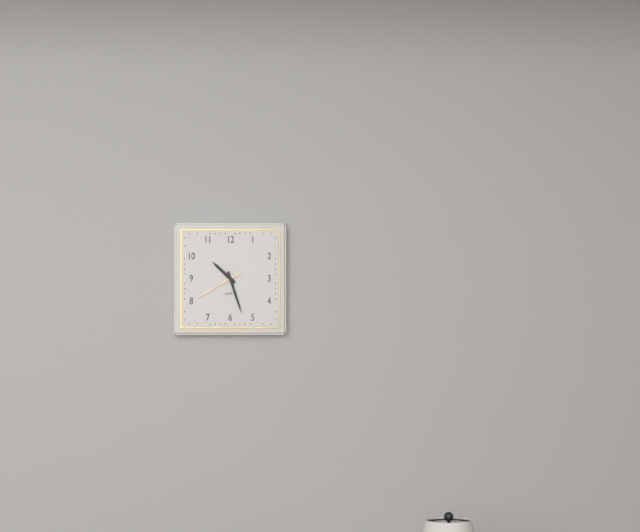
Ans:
10.27
